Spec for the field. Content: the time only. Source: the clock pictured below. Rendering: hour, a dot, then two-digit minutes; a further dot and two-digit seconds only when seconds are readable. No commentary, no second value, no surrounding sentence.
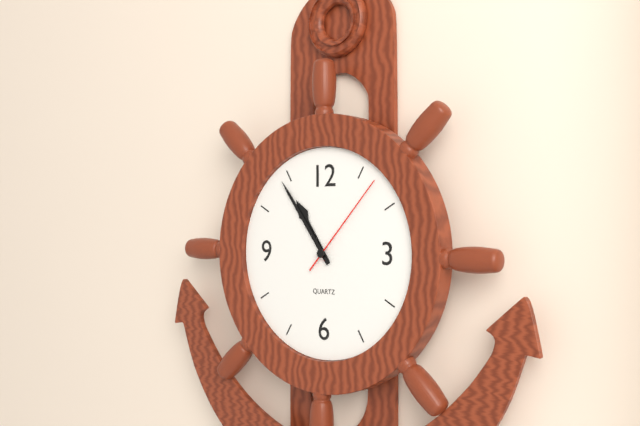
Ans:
10.54.07
